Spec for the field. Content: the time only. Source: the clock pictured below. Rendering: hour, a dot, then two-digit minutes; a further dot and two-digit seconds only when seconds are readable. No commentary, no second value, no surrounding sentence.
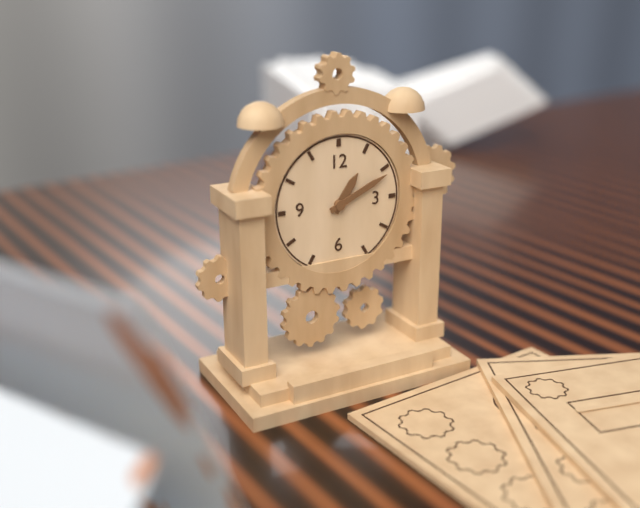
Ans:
1.11
